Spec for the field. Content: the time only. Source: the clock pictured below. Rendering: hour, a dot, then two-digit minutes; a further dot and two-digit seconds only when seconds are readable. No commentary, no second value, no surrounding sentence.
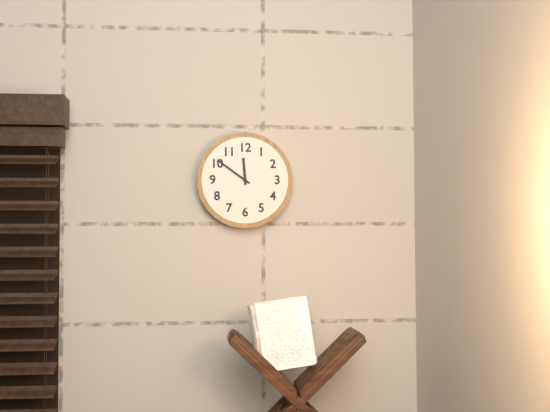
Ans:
11.51
